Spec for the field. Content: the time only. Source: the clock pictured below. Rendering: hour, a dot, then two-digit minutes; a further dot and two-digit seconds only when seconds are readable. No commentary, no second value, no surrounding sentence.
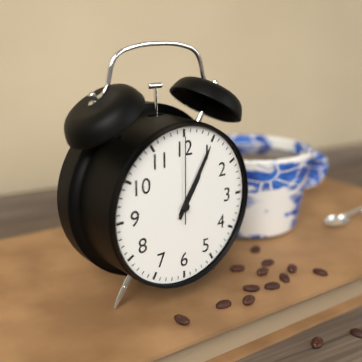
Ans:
1.05.00
